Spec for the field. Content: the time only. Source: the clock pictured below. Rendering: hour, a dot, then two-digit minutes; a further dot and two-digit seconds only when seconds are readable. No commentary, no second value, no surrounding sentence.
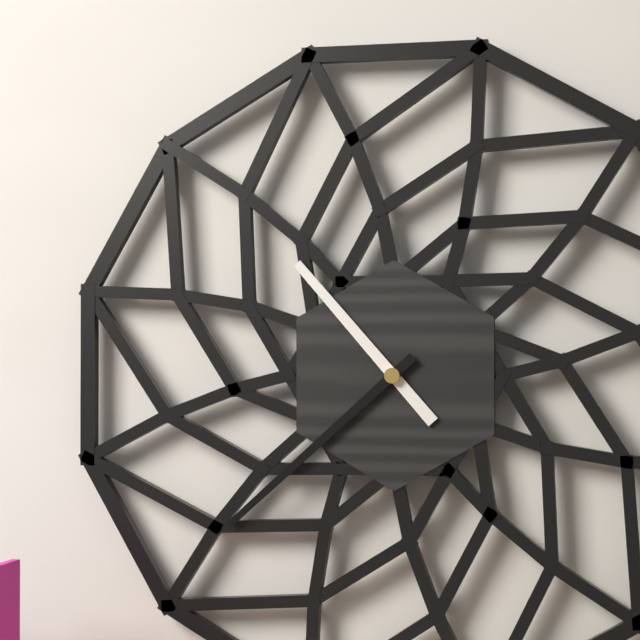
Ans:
10.38
